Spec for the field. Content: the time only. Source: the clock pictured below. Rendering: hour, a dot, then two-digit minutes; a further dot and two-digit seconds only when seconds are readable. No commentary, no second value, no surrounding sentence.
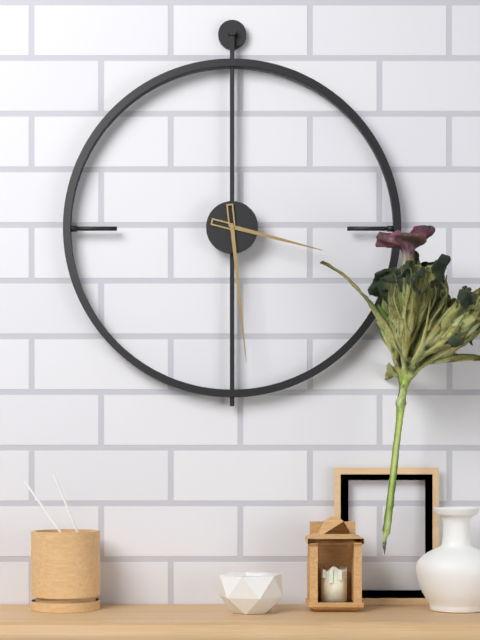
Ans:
3.29
